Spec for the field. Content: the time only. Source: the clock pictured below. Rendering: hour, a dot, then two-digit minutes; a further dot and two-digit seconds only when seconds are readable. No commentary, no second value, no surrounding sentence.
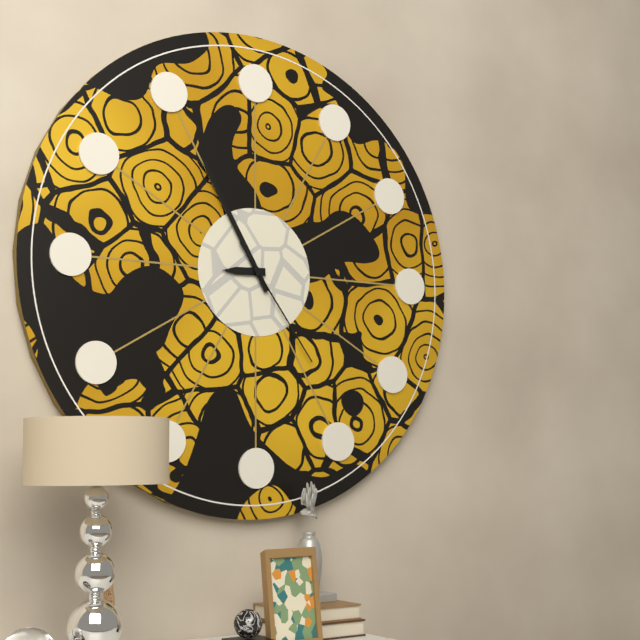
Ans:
8.55.24
